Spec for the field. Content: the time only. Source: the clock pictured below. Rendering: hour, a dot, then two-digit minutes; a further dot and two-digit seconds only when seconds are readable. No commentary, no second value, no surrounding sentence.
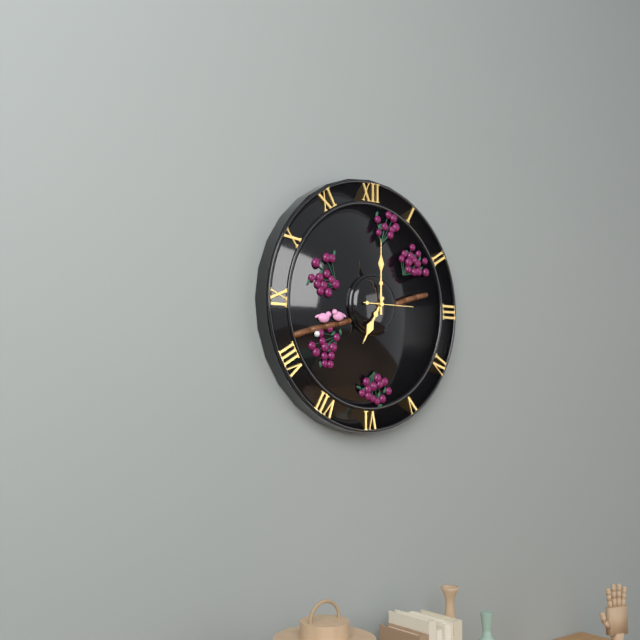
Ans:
7.00.15
